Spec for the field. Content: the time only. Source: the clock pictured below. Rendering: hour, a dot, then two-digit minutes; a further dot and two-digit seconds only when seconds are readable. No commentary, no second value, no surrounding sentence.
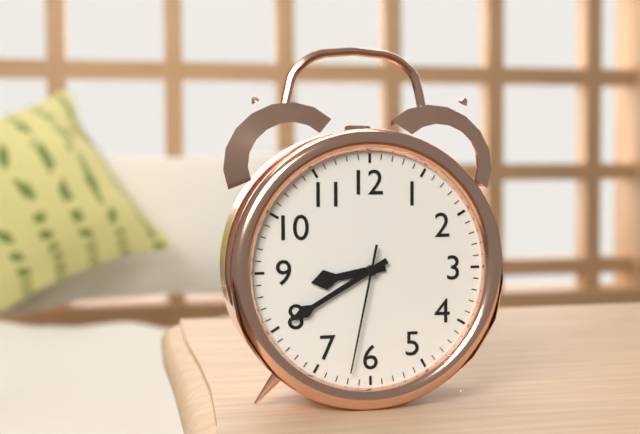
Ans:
8.40.32
